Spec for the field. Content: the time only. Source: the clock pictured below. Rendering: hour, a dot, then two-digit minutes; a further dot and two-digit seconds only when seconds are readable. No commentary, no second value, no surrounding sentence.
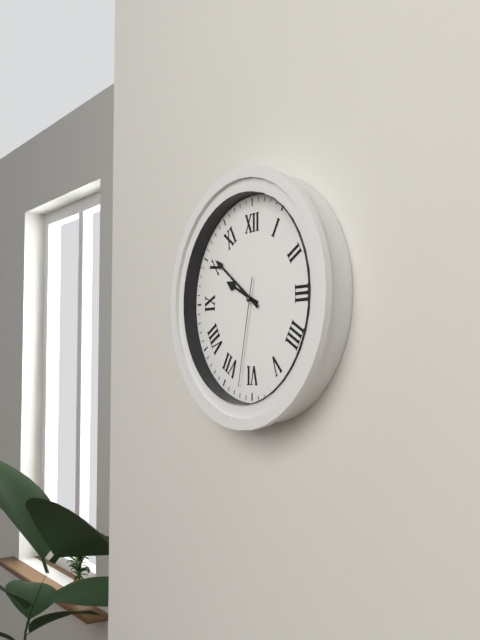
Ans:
9.51.32
